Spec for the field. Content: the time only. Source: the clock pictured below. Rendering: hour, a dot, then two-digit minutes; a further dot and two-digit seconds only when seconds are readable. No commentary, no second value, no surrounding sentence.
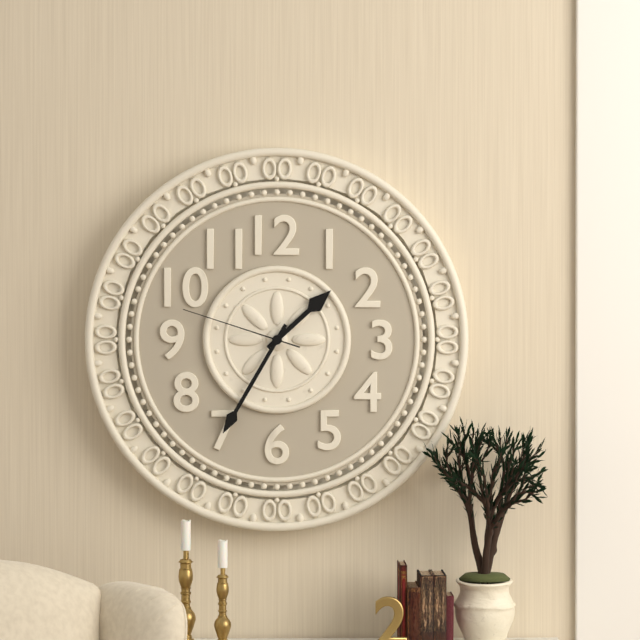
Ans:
1.35.48
